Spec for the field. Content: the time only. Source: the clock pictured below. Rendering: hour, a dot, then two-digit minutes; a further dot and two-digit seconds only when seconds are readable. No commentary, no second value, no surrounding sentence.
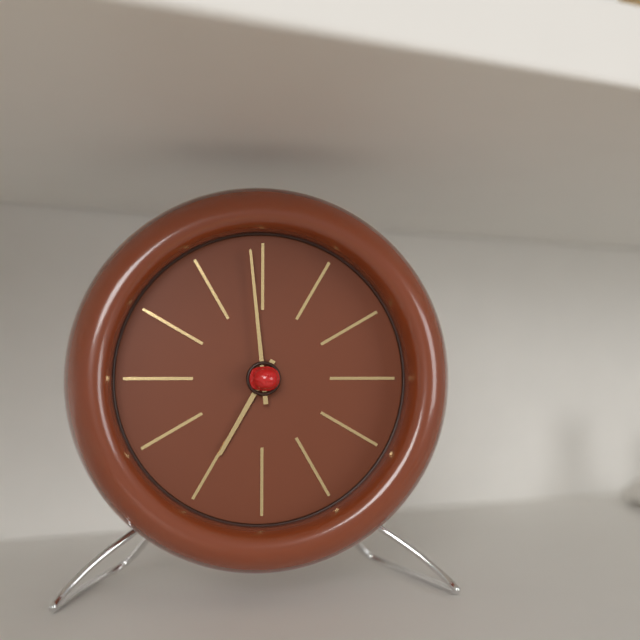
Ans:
6.59
